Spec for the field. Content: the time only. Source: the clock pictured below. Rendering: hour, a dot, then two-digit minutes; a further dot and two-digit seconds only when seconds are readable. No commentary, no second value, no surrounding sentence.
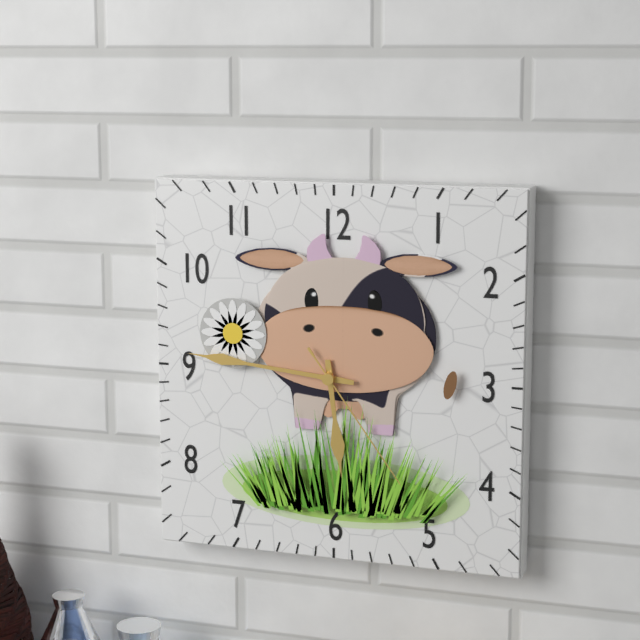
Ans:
5.46.24
